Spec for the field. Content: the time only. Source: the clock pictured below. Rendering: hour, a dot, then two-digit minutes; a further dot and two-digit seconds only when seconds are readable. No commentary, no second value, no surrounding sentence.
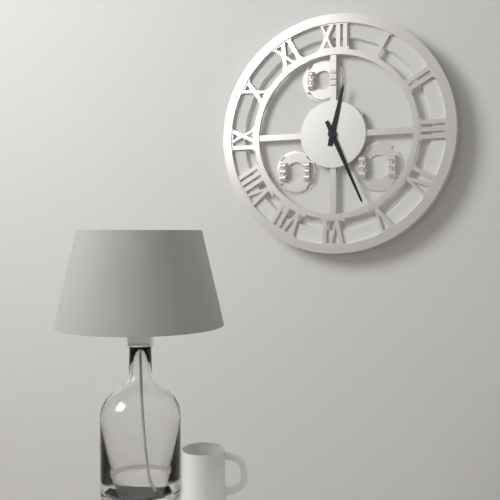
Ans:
12.26
